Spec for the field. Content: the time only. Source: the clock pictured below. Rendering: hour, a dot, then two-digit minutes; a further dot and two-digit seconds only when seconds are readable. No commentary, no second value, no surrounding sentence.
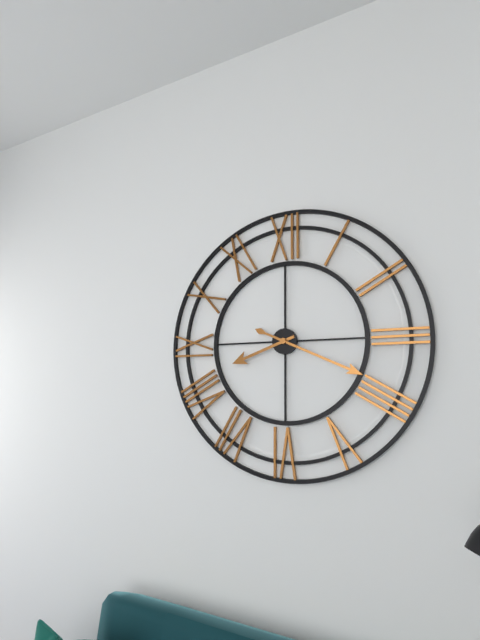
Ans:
8.19
